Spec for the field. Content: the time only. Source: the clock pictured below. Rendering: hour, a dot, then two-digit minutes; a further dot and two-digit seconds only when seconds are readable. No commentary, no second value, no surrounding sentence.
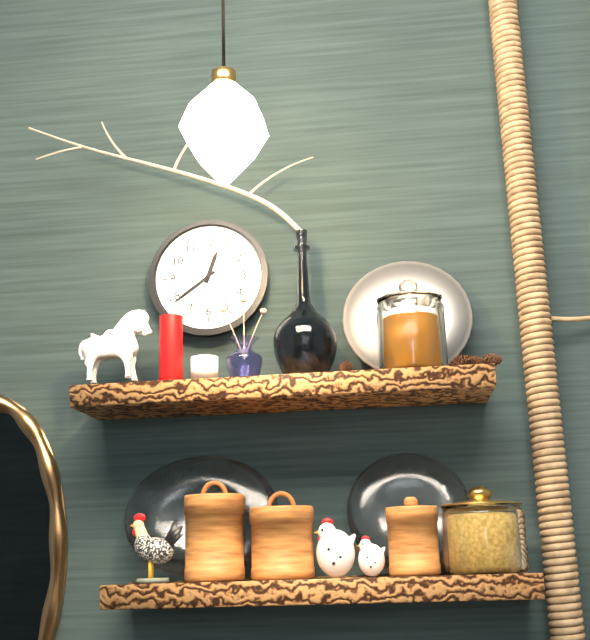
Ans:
12.39
